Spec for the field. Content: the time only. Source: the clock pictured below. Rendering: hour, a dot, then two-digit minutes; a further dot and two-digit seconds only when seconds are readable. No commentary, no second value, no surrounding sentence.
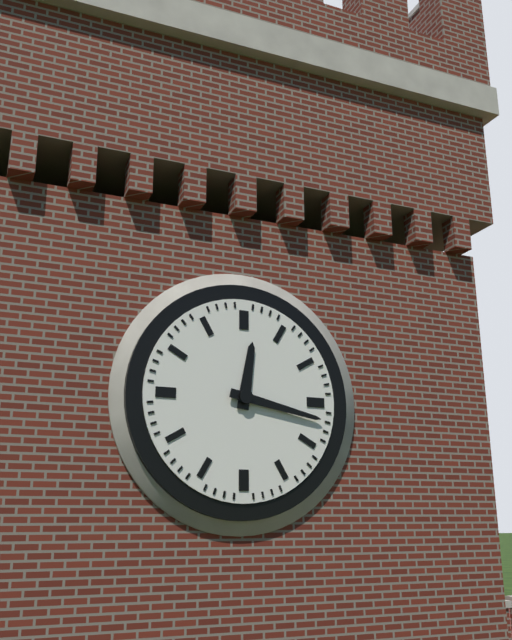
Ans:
12.17
